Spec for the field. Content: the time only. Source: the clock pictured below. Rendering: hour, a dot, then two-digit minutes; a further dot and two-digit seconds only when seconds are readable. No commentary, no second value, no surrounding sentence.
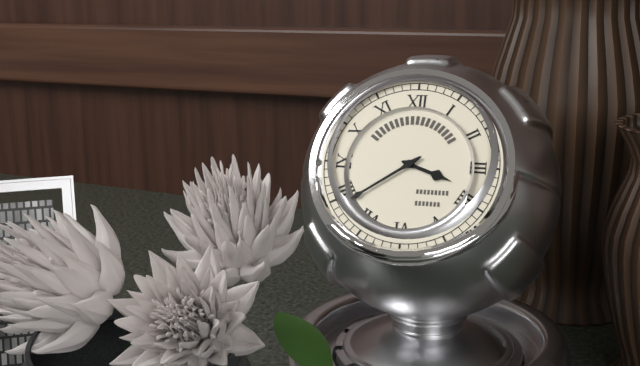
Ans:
3.39
